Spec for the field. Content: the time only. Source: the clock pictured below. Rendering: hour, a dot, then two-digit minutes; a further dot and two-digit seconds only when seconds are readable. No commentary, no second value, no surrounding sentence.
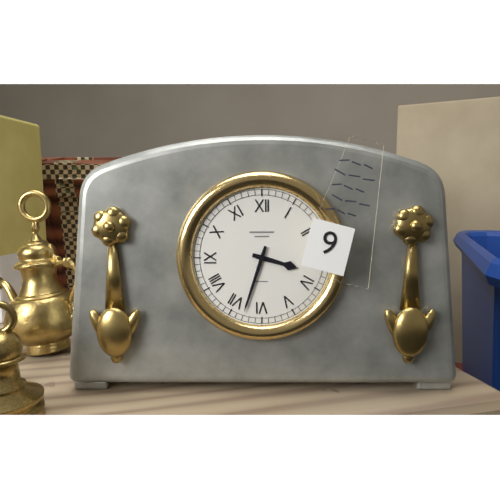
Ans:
3.33
